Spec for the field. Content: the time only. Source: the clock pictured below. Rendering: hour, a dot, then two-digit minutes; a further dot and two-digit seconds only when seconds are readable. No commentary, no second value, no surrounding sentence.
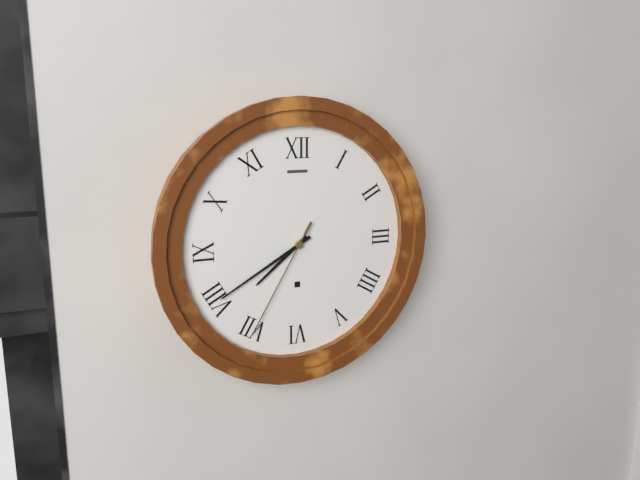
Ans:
7.40.35
